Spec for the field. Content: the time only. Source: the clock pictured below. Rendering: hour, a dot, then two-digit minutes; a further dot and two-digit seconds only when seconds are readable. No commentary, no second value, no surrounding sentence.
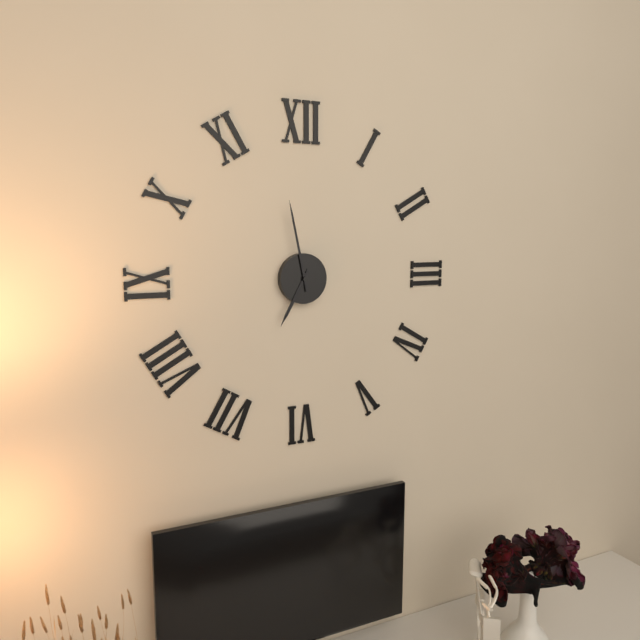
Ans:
6.58
